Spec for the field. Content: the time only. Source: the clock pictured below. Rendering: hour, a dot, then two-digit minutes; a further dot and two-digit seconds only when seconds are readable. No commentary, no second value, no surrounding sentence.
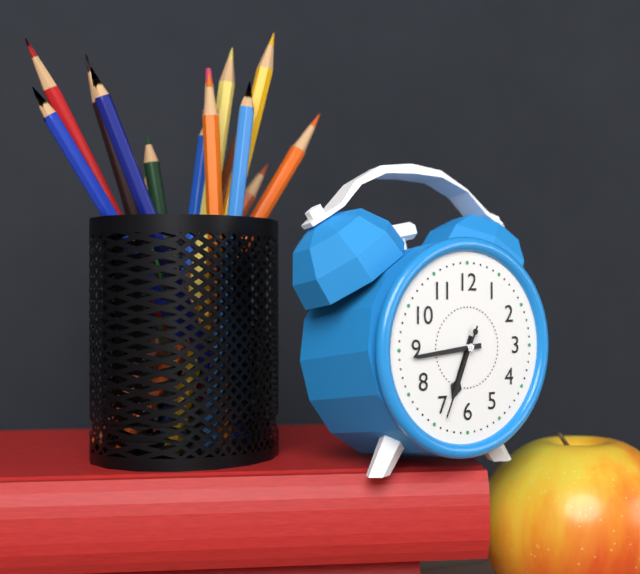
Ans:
6.44.34
